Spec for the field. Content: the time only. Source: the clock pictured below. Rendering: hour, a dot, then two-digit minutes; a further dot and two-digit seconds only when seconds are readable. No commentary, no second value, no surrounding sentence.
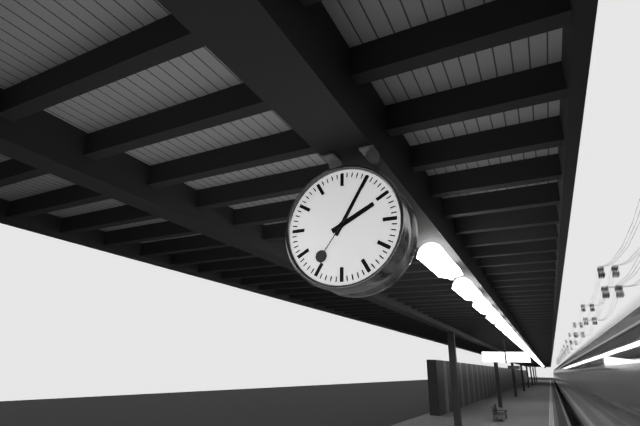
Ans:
2.05.36
